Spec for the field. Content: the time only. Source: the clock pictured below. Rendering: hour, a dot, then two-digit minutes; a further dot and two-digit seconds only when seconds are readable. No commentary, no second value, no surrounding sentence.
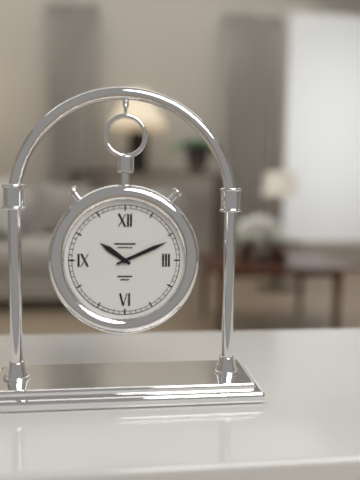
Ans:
10.11
